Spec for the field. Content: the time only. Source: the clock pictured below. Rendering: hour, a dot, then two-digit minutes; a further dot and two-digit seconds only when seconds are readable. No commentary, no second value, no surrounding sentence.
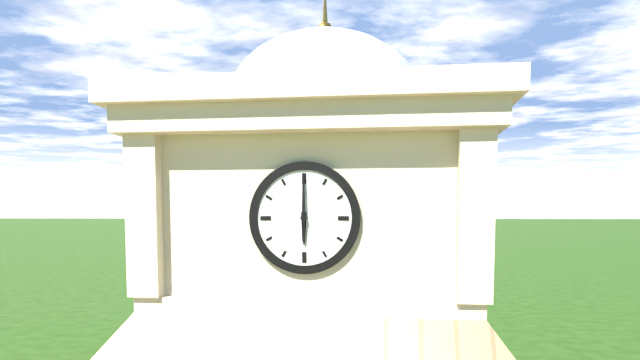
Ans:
6.00
